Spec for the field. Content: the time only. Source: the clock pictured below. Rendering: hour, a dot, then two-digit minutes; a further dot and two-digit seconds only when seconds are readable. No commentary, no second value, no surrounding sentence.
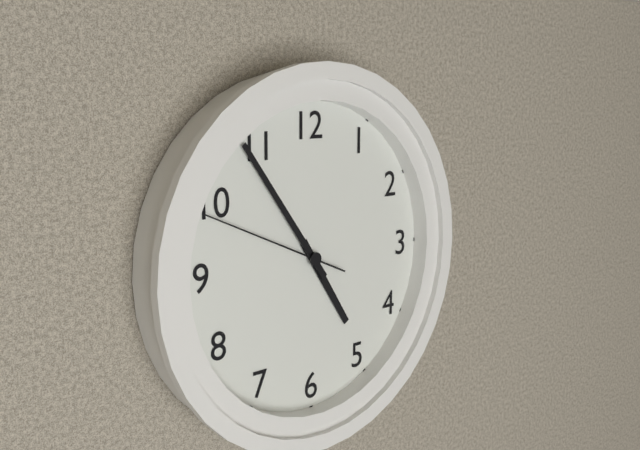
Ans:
4.54.49
